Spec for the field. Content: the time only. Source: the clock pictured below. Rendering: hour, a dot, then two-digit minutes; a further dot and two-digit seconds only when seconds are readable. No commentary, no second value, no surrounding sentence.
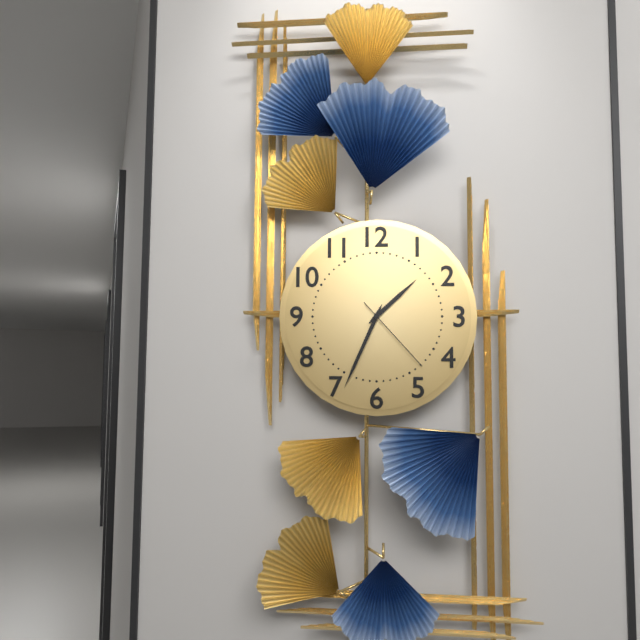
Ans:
1.34.23
